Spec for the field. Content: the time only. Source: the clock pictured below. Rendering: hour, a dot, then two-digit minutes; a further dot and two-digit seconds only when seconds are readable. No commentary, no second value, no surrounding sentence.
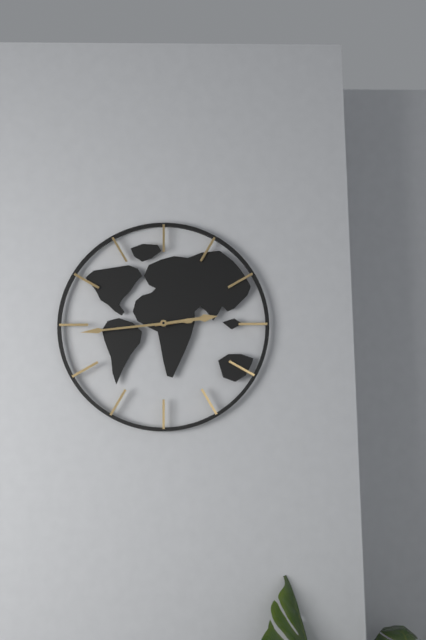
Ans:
2.44
